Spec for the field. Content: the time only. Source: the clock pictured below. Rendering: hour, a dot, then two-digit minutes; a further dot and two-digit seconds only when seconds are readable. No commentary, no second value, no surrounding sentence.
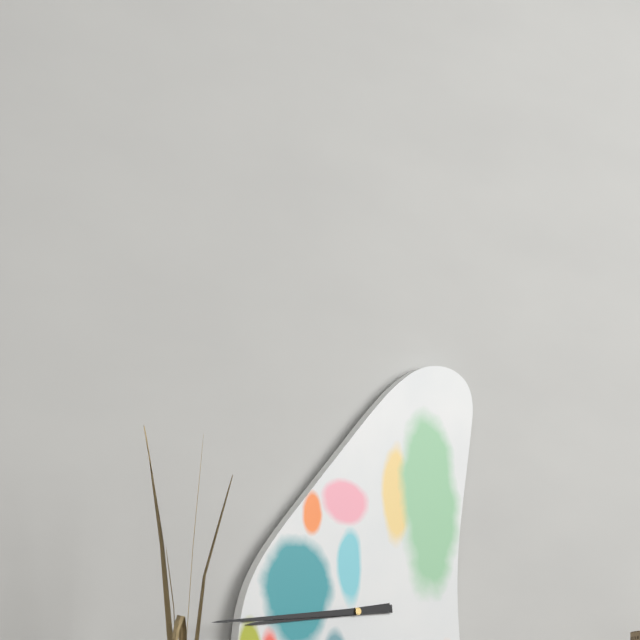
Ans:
8.44
